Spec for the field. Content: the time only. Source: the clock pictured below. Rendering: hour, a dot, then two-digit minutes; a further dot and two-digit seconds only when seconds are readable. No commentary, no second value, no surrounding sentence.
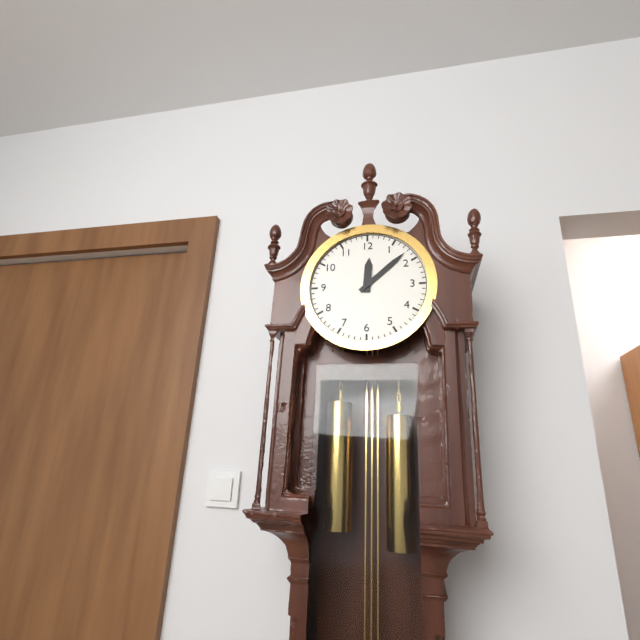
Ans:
12.08
